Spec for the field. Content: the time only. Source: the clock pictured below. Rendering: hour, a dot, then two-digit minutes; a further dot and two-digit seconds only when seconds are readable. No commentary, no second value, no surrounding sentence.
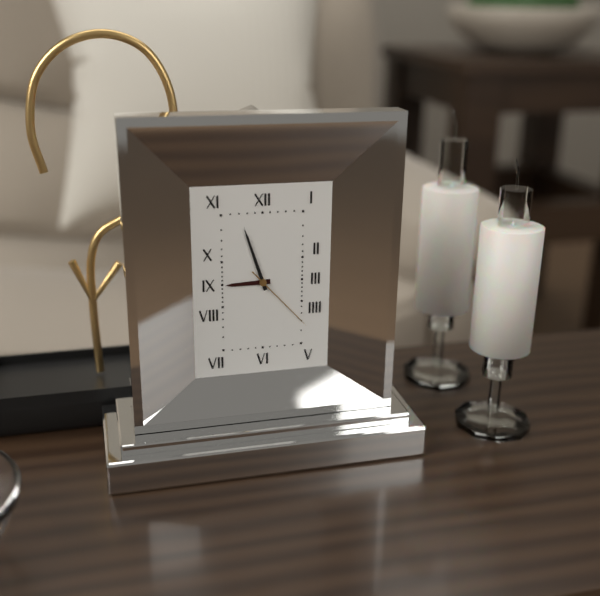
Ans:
8.57.23
